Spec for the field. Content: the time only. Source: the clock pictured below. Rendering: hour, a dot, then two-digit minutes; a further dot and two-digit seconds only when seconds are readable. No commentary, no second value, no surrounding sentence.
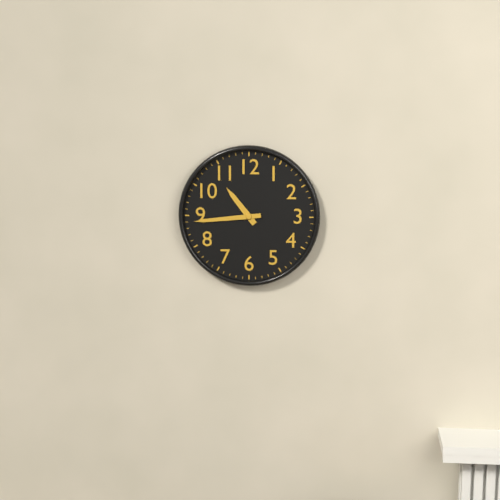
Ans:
10.44
